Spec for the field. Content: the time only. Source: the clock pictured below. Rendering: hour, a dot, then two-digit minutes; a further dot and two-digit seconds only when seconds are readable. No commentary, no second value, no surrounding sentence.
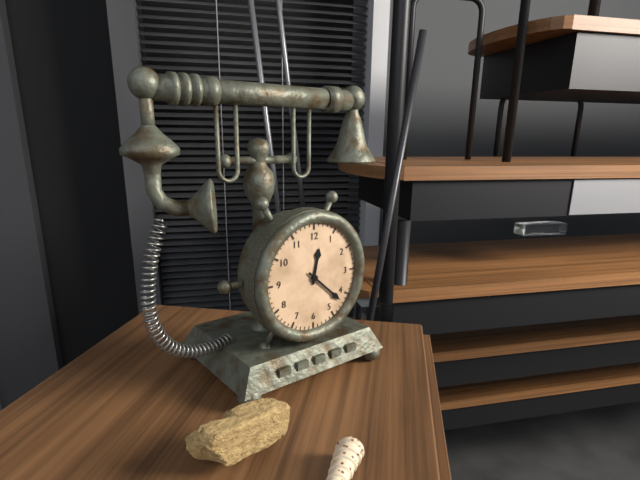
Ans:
12.22
